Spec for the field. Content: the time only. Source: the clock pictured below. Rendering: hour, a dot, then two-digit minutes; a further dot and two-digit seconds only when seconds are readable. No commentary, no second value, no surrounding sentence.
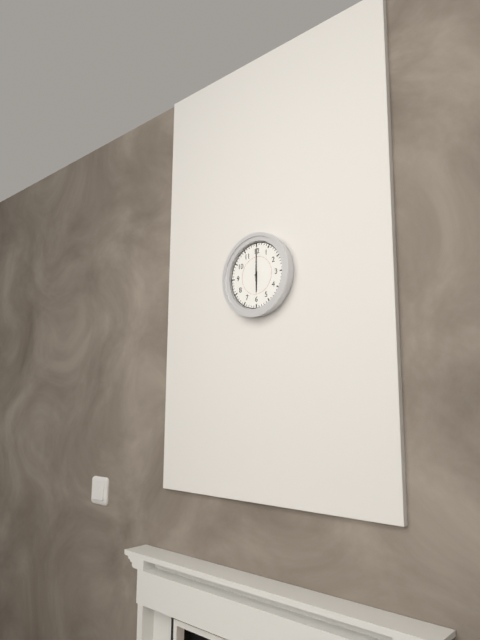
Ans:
6.00
